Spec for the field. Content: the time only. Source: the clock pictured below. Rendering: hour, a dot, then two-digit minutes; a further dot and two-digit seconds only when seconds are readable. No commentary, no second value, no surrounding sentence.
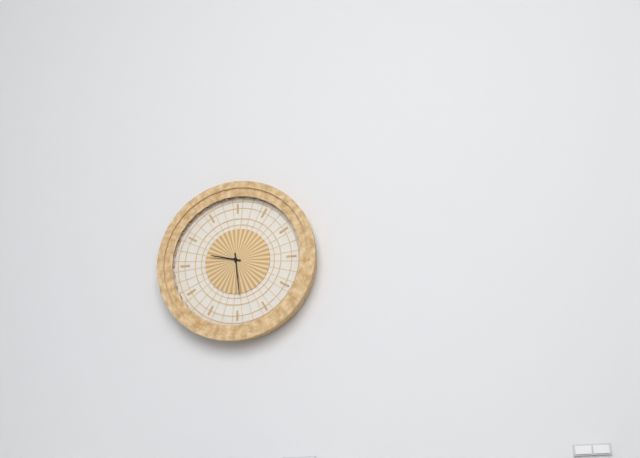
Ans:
9.29
